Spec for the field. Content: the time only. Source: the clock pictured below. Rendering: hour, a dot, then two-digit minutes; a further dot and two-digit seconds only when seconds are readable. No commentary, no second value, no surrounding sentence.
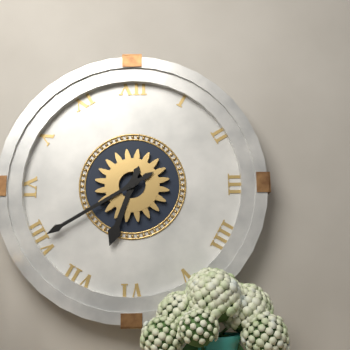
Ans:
6.40
